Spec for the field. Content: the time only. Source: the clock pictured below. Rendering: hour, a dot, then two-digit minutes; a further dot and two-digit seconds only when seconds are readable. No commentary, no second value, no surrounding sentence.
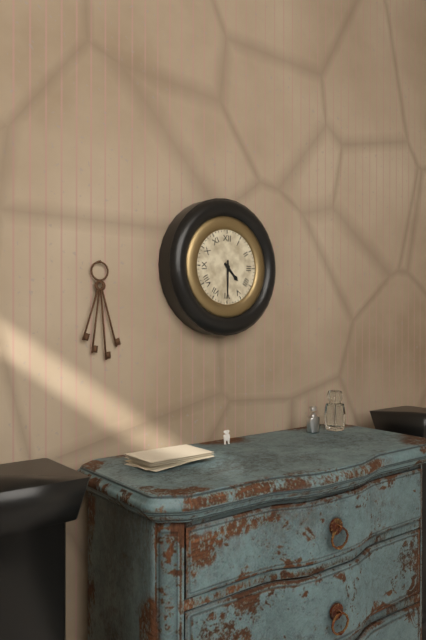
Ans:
4.30
